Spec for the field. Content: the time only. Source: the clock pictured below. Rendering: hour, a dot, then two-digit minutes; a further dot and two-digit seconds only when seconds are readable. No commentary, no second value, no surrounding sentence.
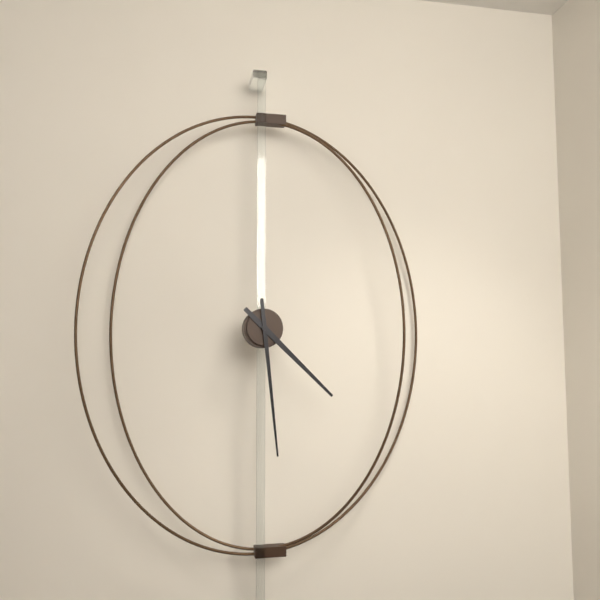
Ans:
4.29
